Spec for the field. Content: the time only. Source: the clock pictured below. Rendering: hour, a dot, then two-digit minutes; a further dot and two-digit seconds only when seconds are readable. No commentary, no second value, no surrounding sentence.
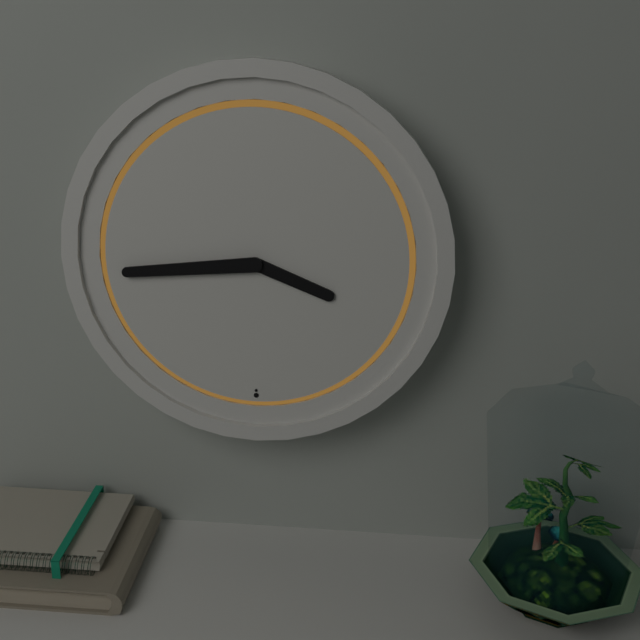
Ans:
3.44
